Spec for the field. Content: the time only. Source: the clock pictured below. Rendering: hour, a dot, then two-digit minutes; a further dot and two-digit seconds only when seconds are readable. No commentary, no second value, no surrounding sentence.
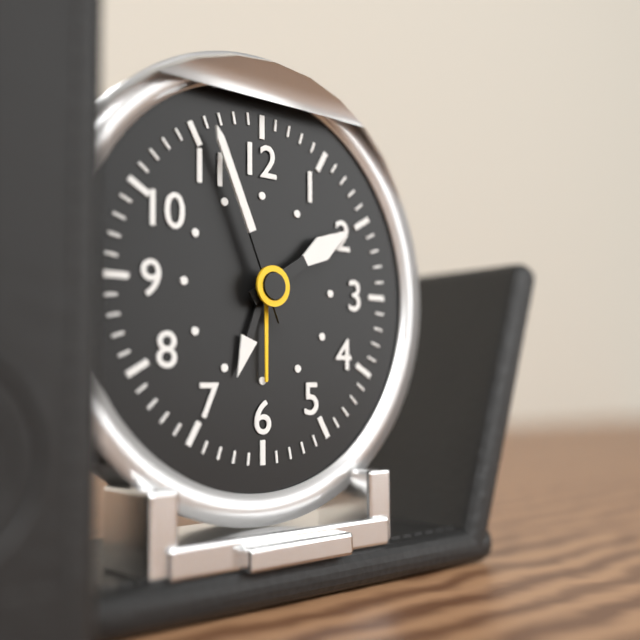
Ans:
1.56
